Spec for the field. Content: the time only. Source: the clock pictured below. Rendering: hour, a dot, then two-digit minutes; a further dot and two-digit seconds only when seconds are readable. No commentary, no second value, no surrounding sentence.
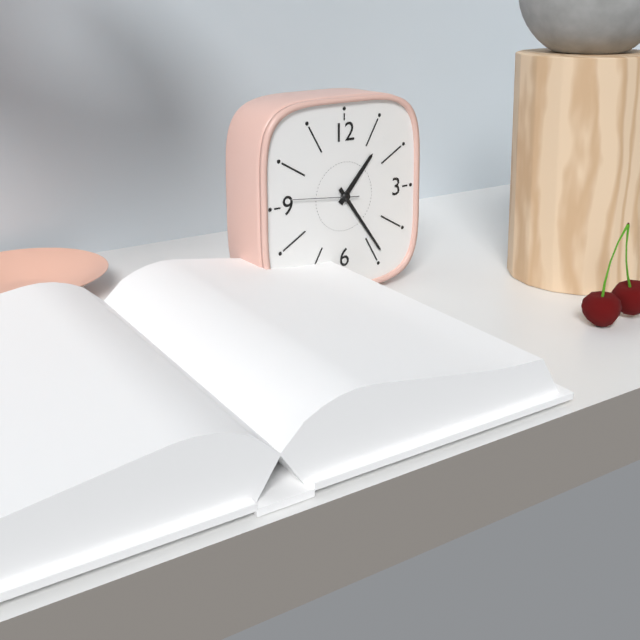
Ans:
1.24.46
